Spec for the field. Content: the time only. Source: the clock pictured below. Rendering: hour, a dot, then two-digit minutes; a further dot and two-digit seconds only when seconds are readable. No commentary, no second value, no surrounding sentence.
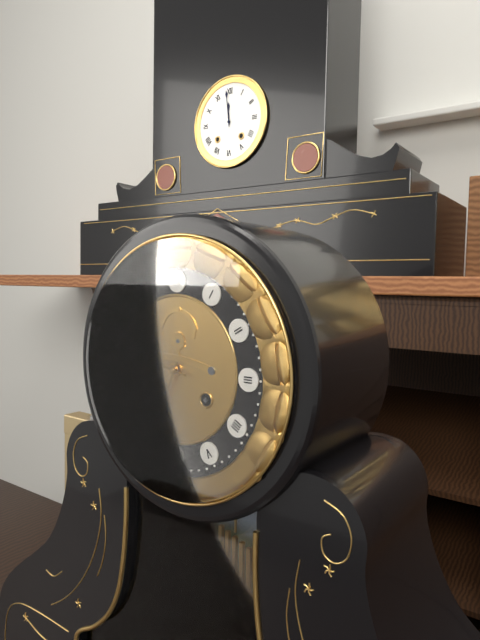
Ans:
6.47
